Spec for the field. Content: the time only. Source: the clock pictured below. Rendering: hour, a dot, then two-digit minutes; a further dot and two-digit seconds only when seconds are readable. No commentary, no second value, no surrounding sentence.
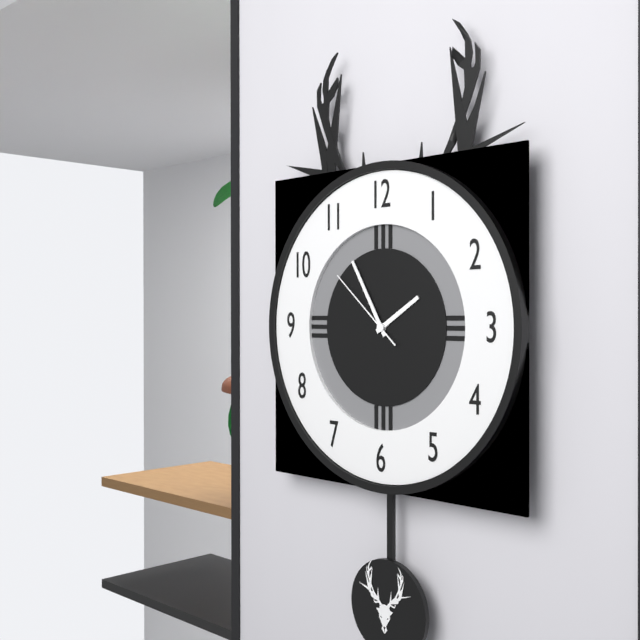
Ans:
1.55.52
